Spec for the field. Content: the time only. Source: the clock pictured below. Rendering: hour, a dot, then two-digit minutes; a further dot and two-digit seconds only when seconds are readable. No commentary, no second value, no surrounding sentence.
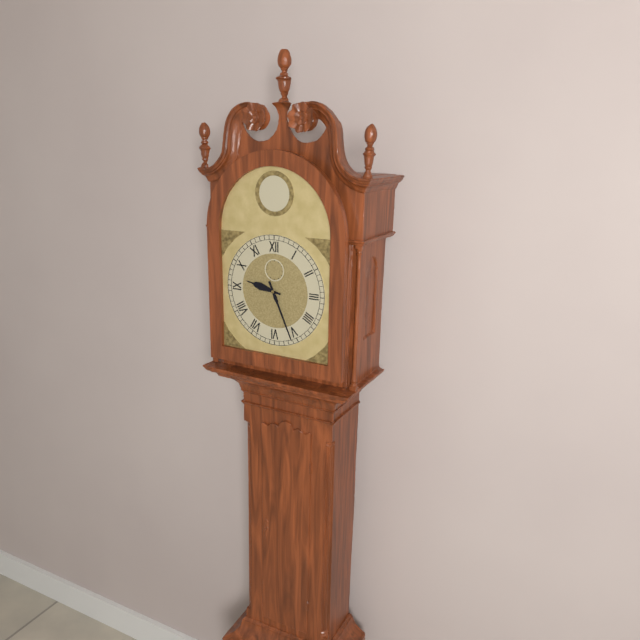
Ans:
9.26
